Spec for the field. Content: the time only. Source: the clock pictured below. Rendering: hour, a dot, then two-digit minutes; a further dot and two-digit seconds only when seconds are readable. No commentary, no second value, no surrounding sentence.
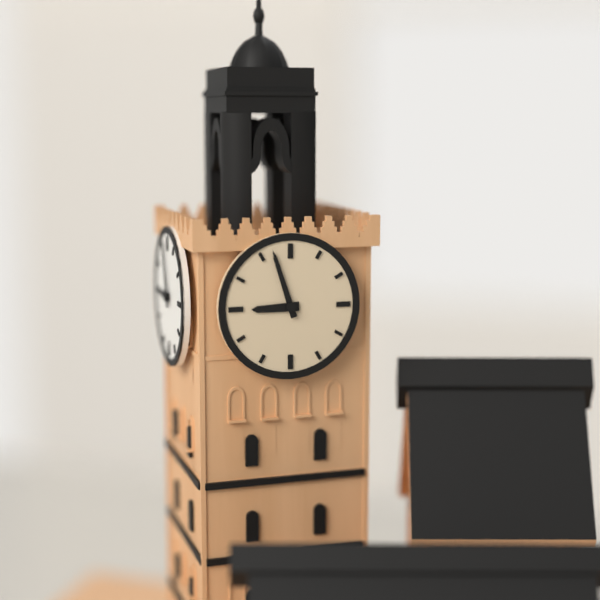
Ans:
8.57
